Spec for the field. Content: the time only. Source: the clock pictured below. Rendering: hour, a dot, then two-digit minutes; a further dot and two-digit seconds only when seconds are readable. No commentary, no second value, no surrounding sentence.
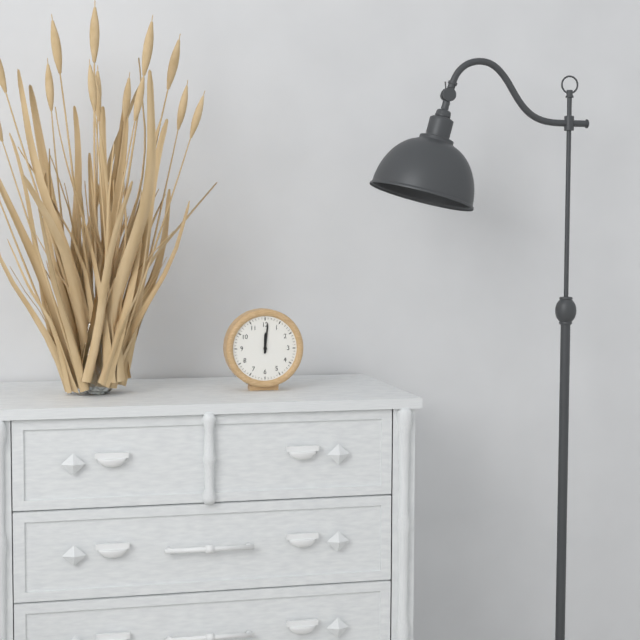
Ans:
12.01
